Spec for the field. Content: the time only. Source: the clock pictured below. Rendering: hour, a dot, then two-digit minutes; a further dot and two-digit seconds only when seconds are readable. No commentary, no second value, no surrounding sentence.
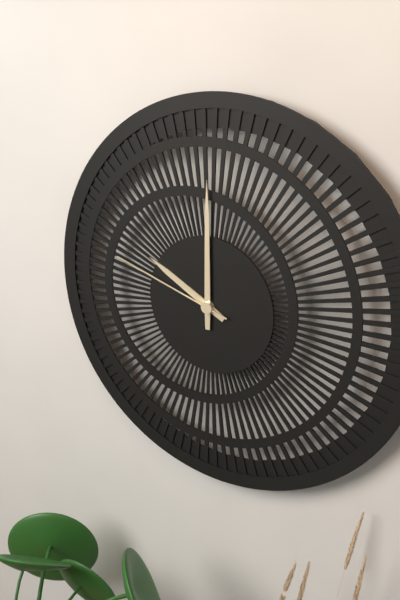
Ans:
10.00.48
